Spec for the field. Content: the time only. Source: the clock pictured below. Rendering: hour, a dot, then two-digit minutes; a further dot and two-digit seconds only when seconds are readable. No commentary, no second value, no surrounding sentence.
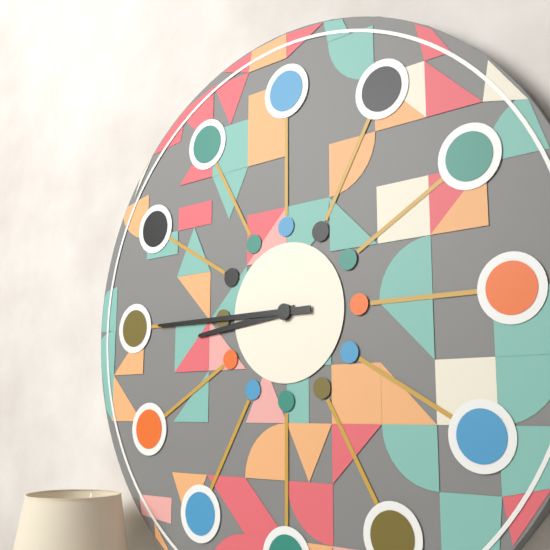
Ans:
8.45
